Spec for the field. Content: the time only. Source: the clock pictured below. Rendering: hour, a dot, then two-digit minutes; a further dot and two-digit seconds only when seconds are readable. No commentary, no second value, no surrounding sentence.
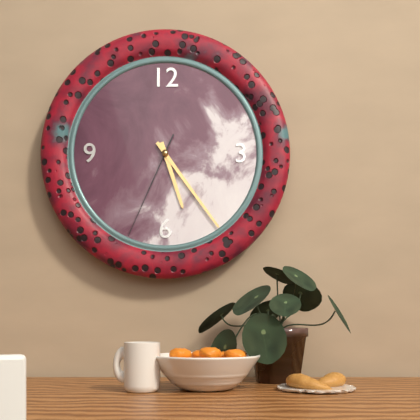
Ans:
5.24.34
